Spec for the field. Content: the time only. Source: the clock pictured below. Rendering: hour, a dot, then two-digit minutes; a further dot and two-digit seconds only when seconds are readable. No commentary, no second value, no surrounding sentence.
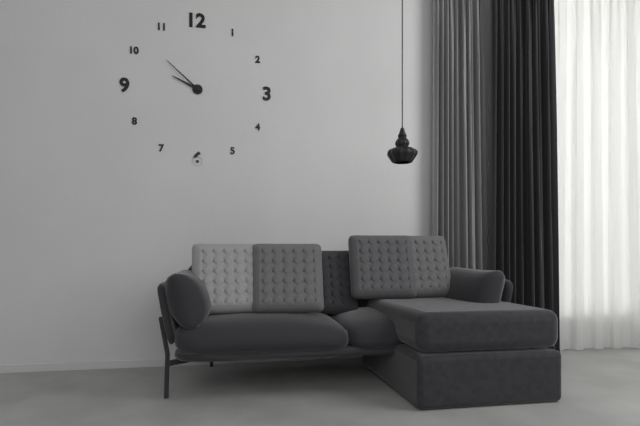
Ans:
9.52
